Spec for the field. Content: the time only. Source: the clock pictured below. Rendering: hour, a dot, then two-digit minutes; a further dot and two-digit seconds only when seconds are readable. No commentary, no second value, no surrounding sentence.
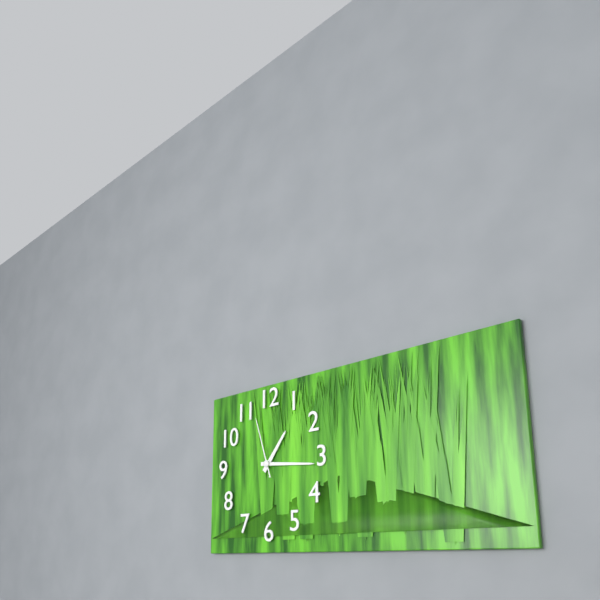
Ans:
1.16.57
